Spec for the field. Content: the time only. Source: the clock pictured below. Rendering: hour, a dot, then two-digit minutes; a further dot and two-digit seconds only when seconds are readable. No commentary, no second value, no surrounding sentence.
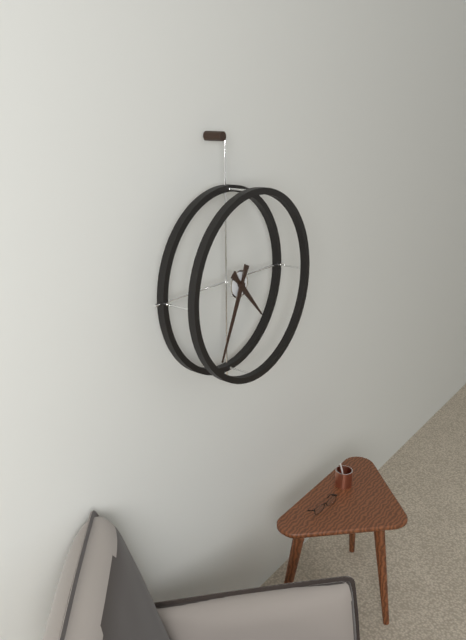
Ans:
4.34
